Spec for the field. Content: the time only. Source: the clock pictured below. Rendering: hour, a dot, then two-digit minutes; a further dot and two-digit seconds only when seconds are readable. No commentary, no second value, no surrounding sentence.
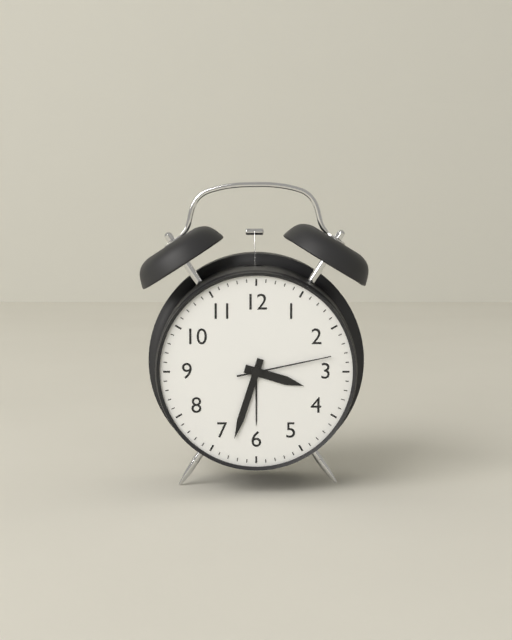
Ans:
3.33.13
